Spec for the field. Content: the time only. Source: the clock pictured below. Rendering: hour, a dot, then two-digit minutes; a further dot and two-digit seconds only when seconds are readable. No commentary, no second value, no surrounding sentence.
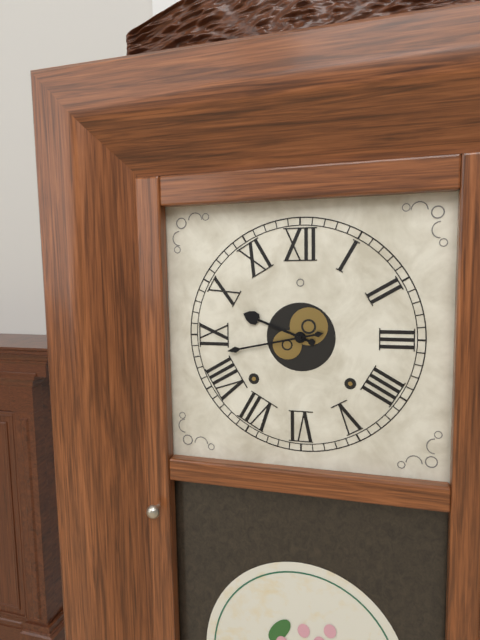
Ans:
9.43
